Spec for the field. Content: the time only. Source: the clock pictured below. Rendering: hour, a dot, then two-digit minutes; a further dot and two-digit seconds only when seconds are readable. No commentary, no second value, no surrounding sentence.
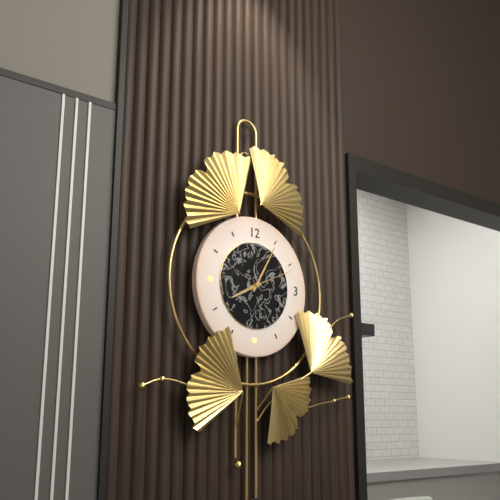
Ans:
8.05
